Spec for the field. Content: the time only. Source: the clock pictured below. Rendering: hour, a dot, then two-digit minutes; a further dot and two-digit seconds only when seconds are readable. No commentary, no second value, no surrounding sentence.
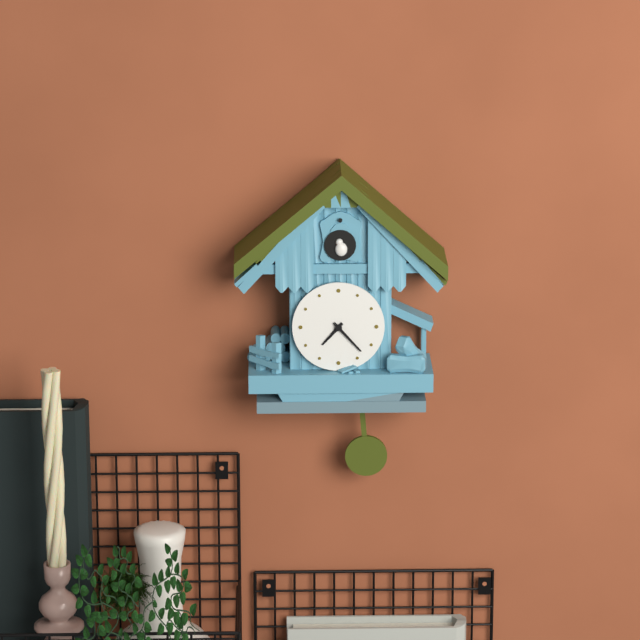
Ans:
7.23
